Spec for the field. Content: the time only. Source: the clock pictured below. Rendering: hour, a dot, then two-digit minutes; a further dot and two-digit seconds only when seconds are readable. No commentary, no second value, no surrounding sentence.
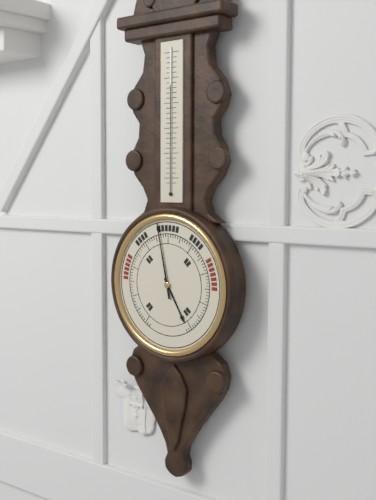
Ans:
4.58
